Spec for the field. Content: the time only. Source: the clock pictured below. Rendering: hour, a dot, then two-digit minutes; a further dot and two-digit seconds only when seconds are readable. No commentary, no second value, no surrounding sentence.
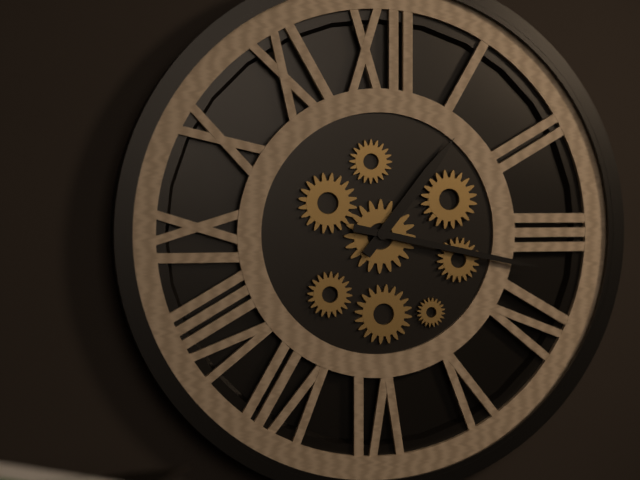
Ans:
1.17
